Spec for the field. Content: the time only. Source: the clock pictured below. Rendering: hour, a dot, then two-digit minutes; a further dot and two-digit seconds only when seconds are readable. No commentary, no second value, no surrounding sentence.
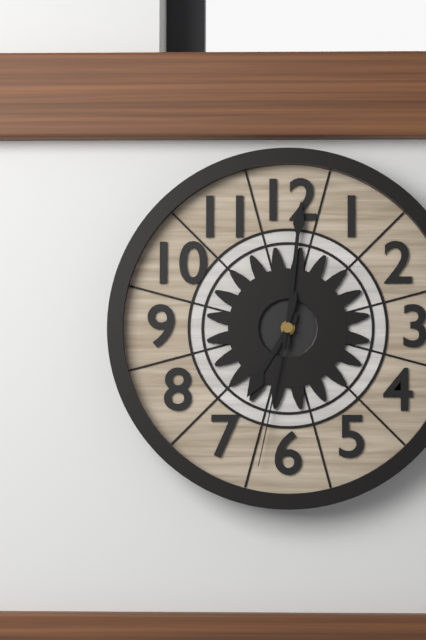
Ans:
7.01.32
